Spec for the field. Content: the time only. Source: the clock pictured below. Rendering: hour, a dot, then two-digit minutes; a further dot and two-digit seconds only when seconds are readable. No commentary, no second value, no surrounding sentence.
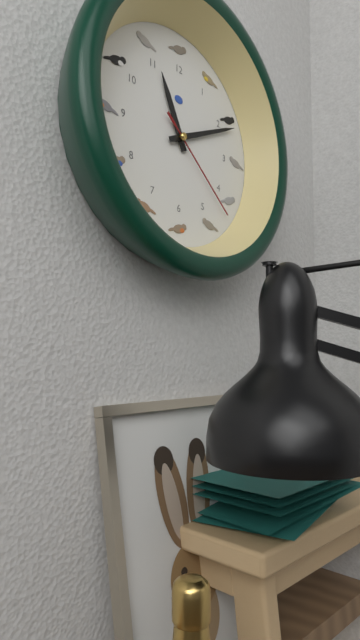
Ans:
11.11.22
